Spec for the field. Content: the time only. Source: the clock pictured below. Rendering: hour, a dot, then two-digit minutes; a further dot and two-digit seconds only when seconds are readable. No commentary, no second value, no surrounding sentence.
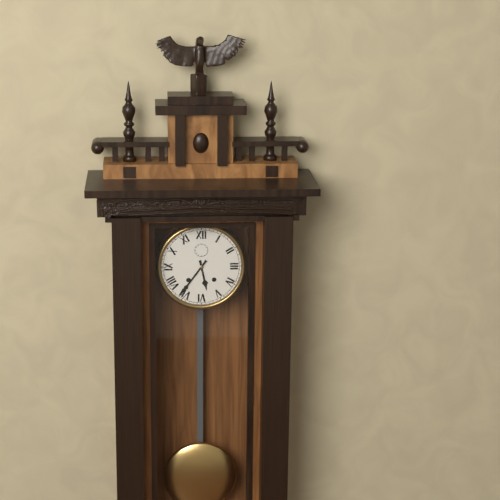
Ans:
5.36
